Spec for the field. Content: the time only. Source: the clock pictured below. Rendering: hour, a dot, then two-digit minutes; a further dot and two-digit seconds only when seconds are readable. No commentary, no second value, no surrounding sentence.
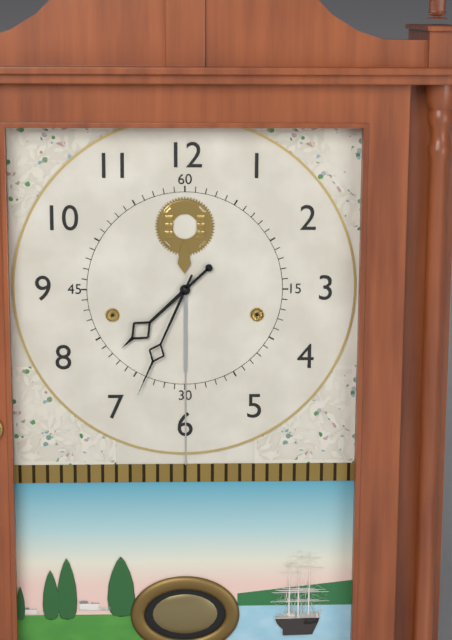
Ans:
7.34
